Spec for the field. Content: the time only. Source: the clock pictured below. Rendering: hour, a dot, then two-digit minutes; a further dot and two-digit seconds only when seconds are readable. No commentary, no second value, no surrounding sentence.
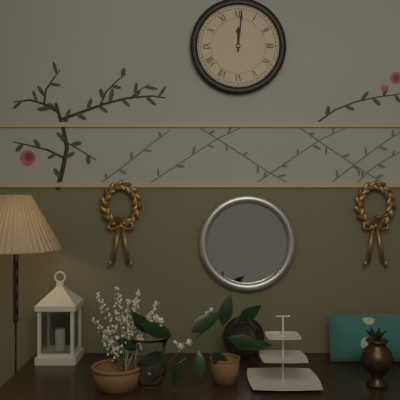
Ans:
12.01
